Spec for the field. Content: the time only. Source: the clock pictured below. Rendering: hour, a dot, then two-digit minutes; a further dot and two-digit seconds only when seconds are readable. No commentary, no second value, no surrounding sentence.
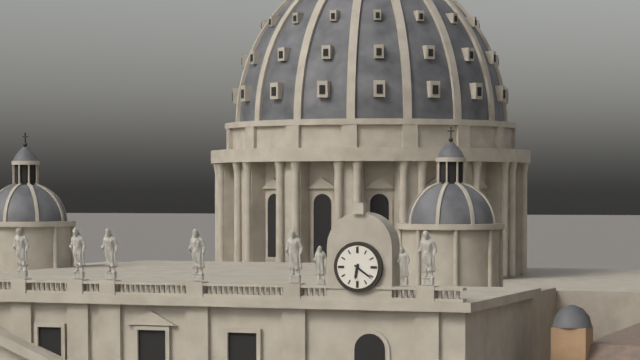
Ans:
6.21
